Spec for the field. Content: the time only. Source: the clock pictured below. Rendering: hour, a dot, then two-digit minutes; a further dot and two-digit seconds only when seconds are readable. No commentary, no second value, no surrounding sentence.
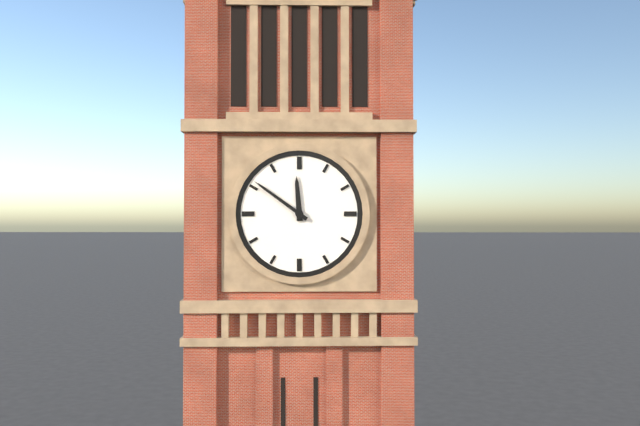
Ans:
11.51
